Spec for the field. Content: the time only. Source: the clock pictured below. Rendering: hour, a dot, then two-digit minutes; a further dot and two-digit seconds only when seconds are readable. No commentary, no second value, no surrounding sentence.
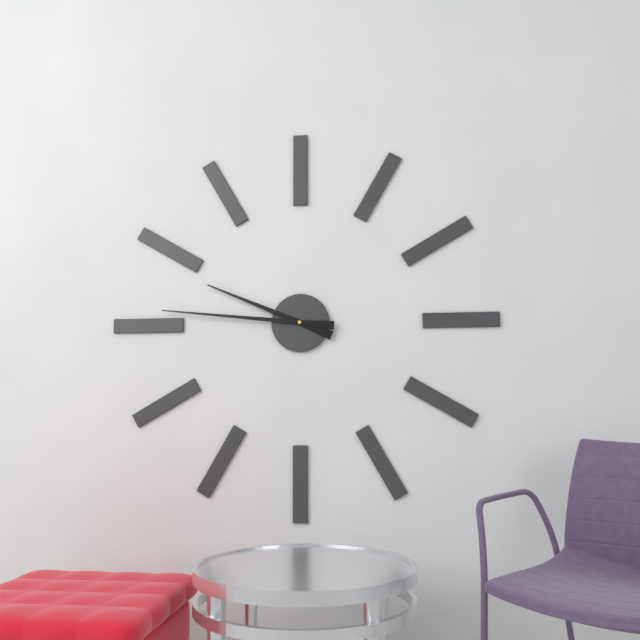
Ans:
9.46
